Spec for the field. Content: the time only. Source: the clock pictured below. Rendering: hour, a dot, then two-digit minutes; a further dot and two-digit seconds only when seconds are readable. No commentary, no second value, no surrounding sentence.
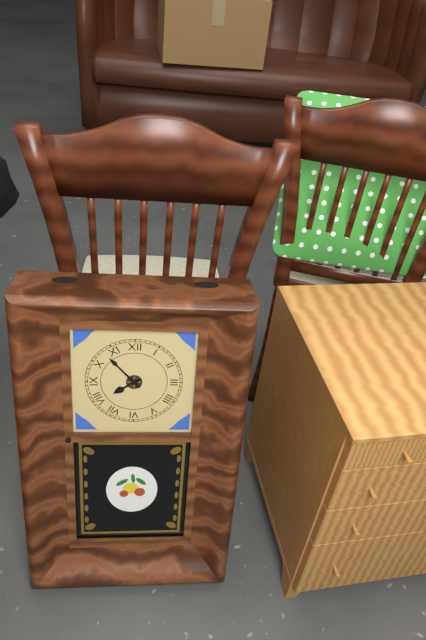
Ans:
7.53
